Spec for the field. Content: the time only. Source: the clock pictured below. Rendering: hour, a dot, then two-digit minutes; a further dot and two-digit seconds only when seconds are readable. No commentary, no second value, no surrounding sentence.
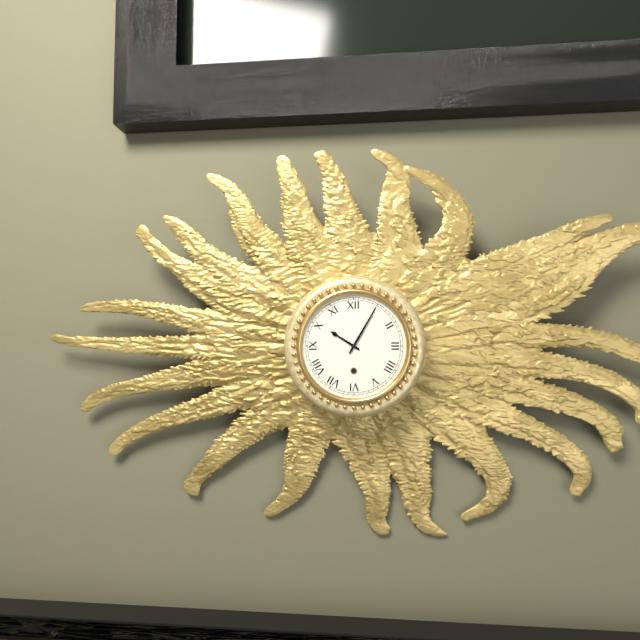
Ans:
10.05
